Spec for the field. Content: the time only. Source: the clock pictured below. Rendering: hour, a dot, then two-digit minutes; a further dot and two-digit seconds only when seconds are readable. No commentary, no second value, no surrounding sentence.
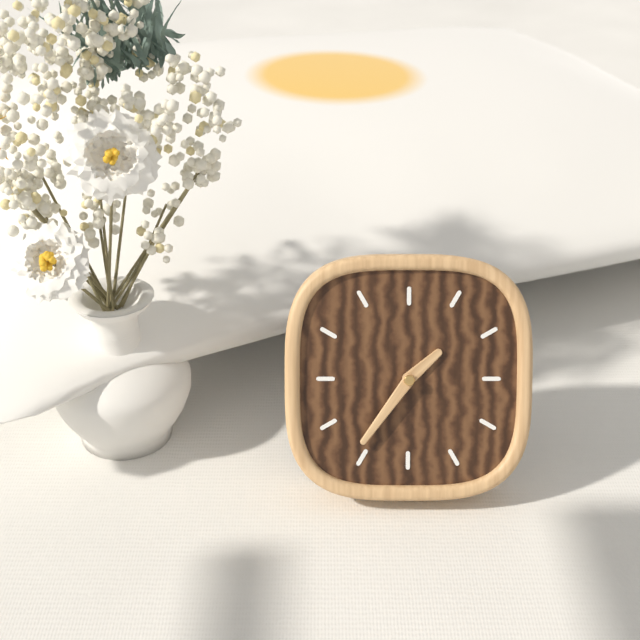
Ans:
1.36
